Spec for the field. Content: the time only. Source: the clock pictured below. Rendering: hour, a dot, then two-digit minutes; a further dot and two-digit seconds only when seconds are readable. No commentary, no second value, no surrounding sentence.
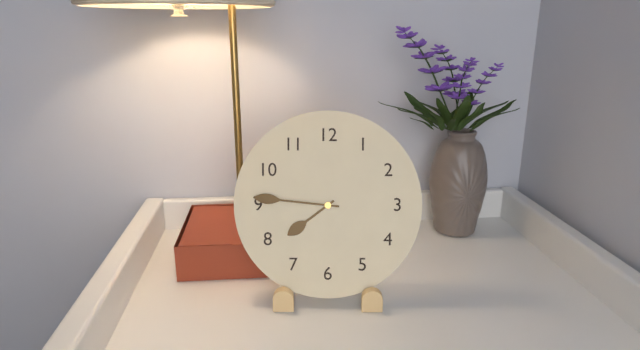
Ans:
7.46
